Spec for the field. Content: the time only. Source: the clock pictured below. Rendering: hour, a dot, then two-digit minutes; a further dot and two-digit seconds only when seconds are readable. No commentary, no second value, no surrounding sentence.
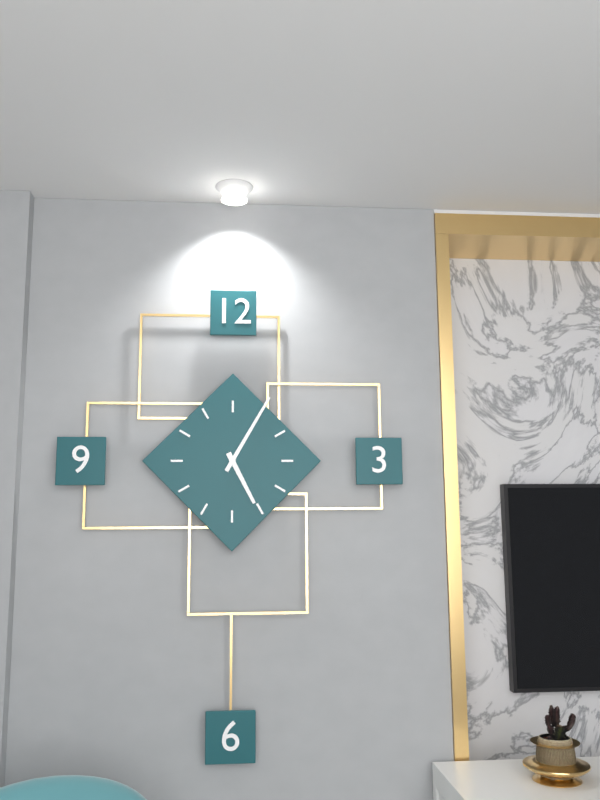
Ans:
5.05
